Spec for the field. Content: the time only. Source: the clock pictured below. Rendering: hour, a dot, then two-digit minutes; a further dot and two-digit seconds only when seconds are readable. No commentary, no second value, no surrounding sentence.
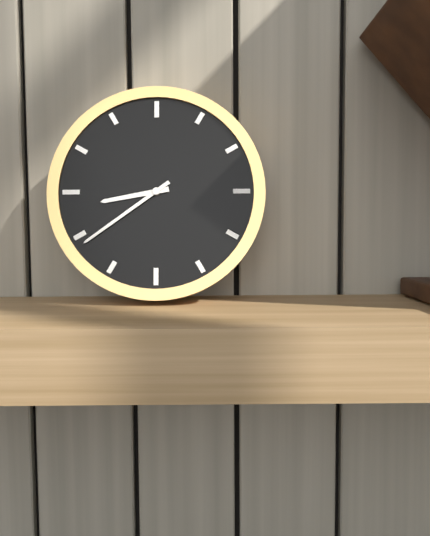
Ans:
8.39
